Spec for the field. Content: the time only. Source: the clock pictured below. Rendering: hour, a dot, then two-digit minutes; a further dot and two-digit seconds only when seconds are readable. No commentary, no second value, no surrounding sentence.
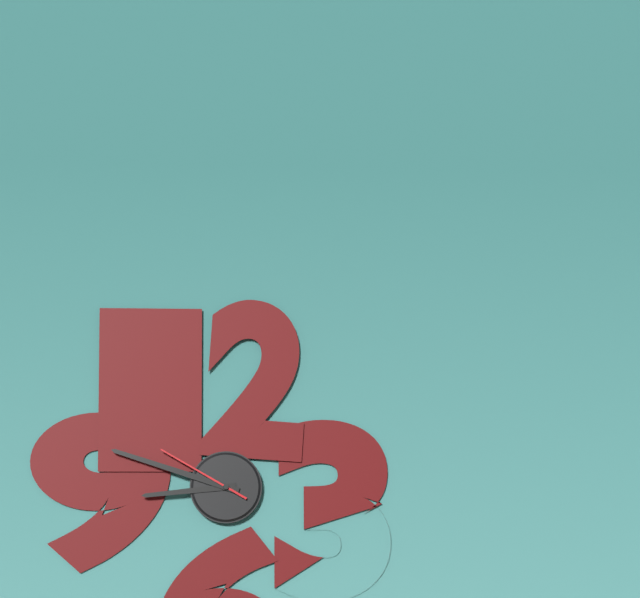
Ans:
8.48.50
